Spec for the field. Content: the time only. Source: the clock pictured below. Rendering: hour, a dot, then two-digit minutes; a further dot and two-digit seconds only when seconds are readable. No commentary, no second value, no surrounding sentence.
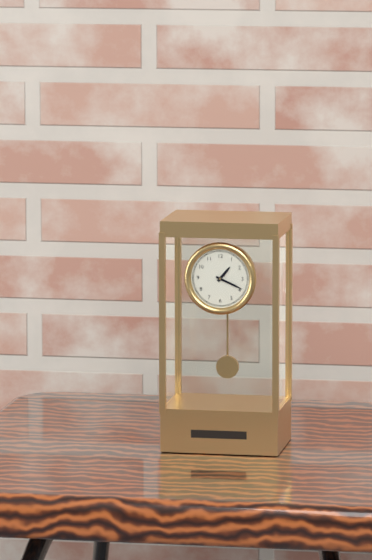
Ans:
1.19
